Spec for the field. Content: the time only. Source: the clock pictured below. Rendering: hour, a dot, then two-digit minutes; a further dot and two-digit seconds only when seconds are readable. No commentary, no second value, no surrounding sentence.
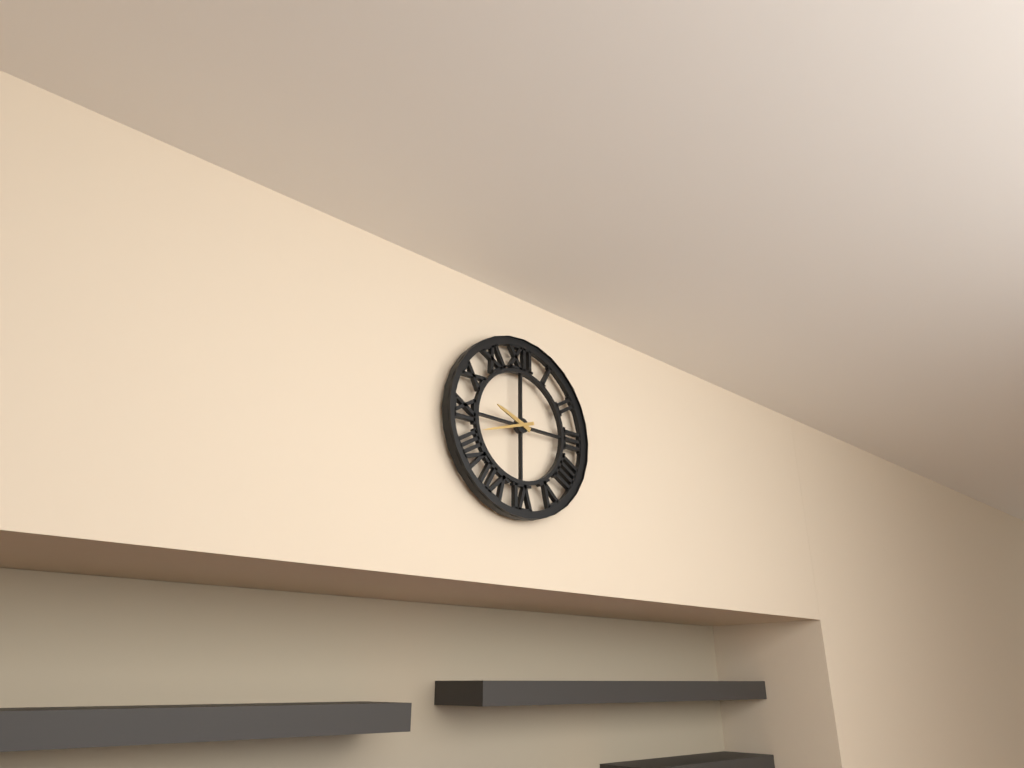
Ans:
9.42
